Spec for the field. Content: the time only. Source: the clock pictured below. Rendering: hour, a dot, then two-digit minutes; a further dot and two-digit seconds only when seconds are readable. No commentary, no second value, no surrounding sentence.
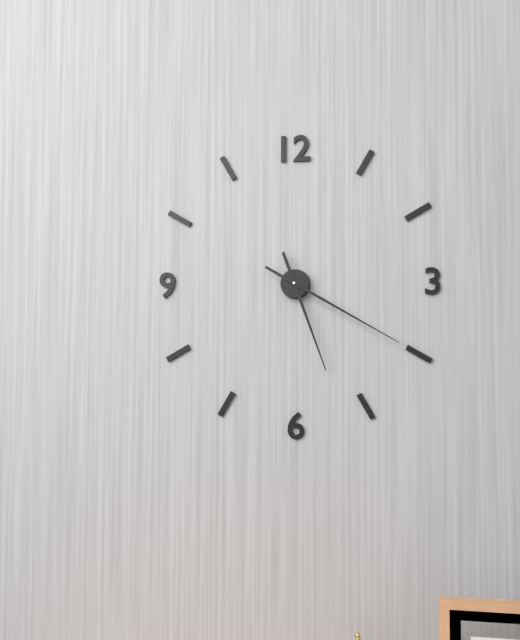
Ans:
5.20
